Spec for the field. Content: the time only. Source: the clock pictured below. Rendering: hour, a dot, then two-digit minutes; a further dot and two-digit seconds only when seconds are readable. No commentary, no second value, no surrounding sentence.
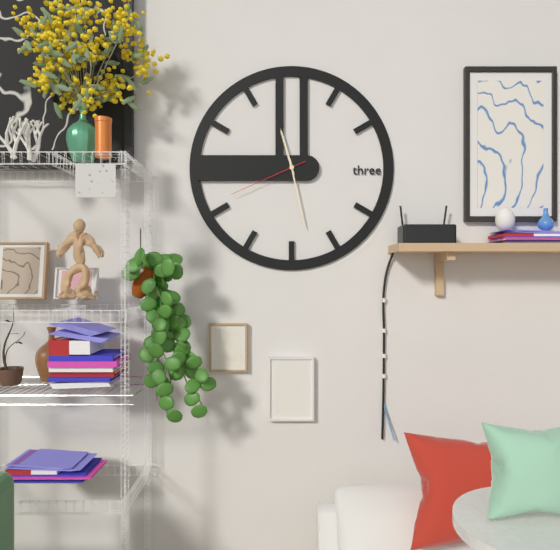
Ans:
11.28.41
